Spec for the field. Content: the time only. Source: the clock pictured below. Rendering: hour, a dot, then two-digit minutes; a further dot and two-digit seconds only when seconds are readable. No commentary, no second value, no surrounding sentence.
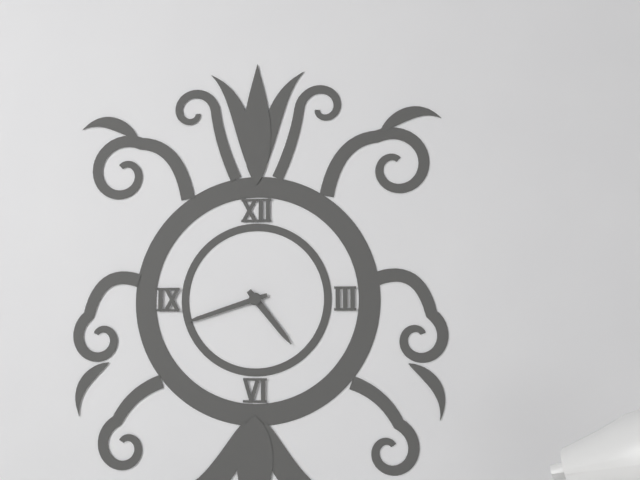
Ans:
4.42
